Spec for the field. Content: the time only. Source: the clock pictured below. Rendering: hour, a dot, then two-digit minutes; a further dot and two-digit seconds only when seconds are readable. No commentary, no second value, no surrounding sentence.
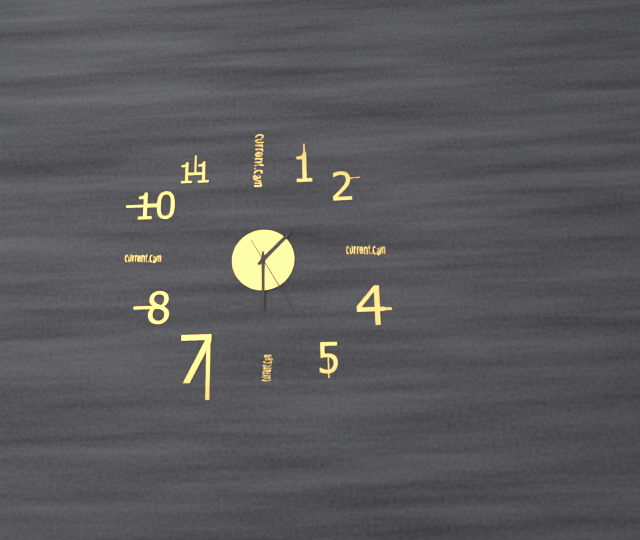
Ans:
1.30.25
